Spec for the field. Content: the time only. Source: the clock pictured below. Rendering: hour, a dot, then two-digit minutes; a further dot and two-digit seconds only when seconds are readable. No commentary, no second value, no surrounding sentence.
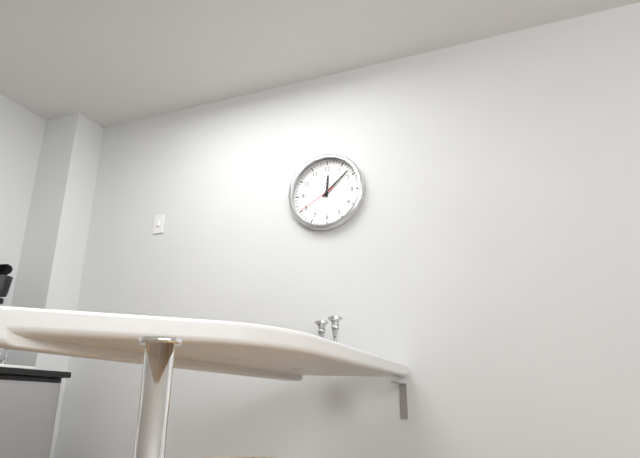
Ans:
12.08
